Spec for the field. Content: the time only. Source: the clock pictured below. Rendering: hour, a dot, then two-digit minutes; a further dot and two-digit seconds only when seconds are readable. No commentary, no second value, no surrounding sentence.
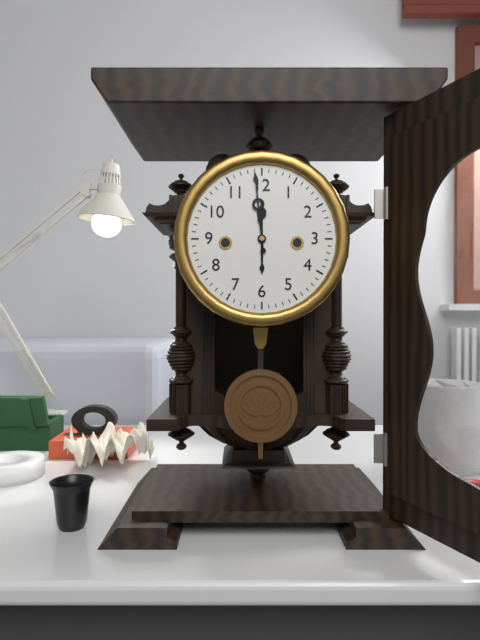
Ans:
11.59
